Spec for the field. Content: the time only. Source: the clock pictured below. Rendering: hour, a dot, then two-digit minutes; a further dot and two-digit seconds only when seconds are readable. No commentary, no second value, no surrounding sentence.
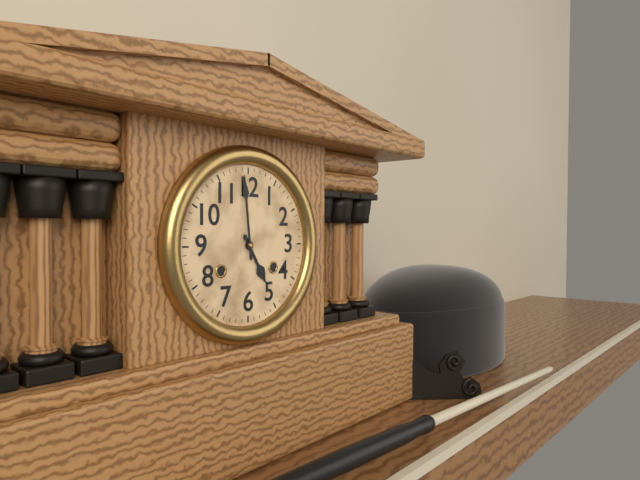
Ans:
4.59
